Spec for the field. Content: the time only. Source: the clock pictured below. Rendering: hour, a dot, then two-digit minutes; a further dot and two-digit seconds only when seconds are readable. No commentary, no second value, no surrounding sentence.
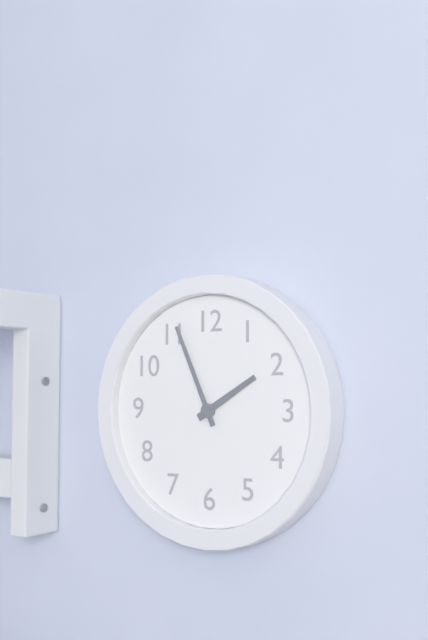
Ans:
1.56
